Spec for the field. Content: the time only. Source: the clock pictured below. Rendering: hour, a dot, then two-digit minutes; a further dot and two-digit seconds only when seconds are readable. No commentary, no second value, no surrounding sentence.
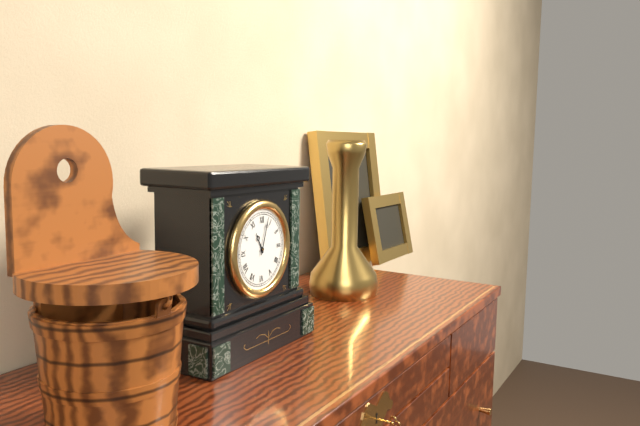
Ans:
11.03
